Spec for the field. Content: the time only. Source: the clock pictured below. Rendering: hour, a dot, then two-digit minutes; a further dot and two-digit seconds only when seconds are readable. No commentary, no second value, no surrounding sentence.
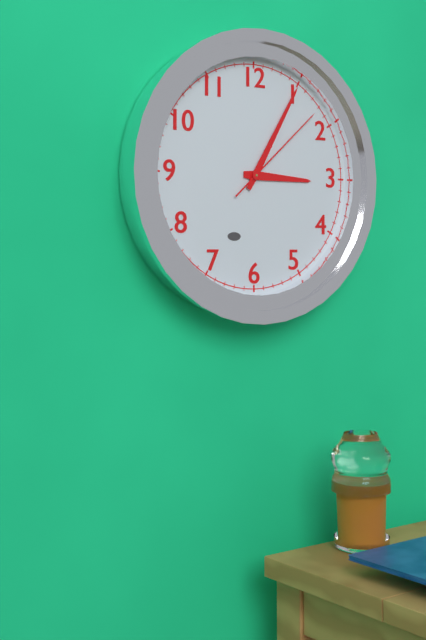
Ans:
3.05.08
